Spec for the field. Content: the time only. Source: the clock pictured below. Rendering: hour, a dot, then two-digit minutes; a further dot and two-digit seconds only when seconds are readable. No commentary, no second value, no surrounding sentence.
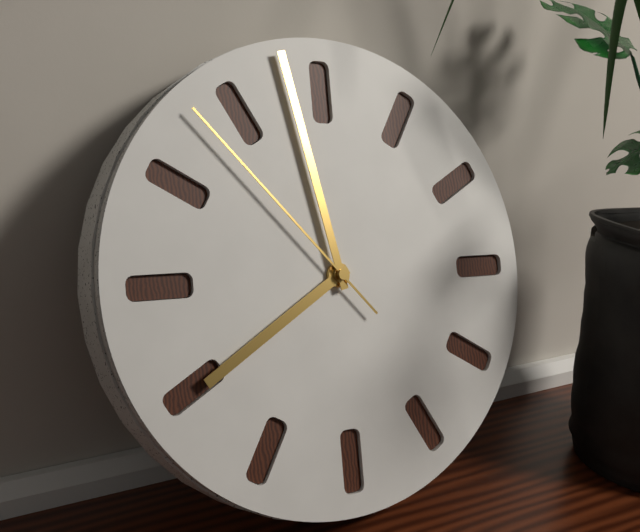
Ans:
7.58.53
